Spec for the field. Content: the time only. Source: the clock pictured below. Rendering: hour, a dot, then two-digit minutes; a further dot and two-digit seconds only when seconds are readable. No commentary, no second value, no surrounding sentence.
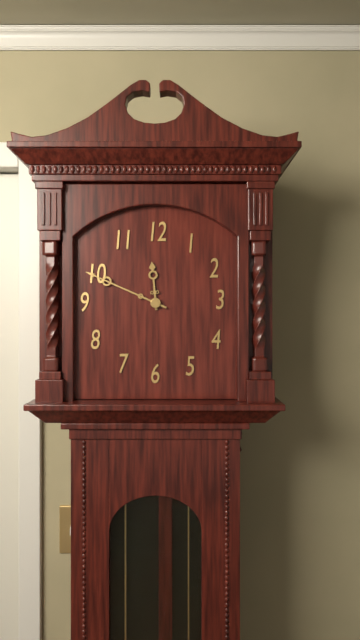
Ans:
11.49
